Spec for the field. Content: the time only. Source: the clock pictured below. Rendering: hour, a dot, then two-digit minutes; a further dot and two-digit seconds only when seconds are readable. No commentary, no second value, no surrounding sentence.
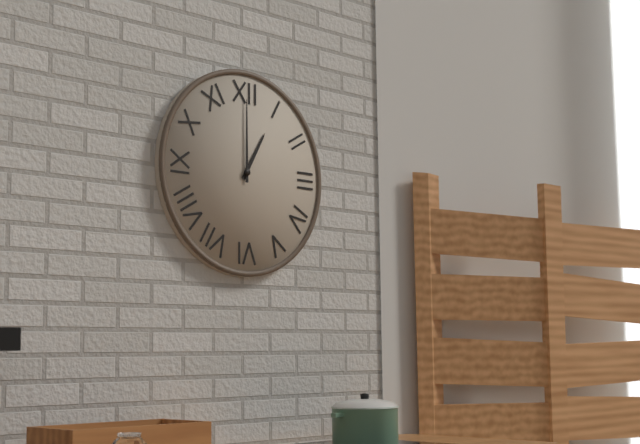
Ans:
1.00
